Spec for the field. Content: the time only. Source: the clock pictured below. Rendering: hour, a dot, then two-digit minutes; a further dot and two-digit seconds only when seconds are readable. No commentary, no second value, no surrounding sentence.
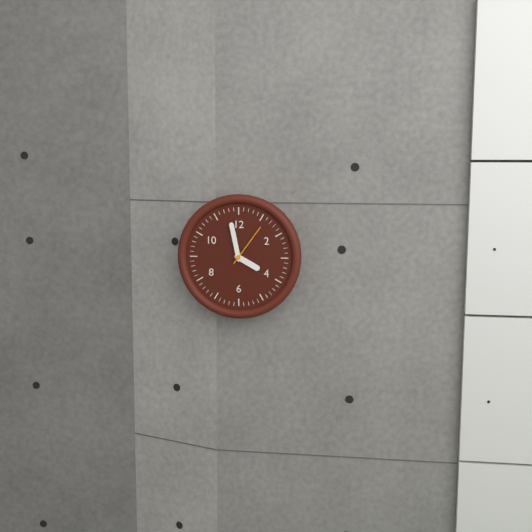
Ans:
3.58
